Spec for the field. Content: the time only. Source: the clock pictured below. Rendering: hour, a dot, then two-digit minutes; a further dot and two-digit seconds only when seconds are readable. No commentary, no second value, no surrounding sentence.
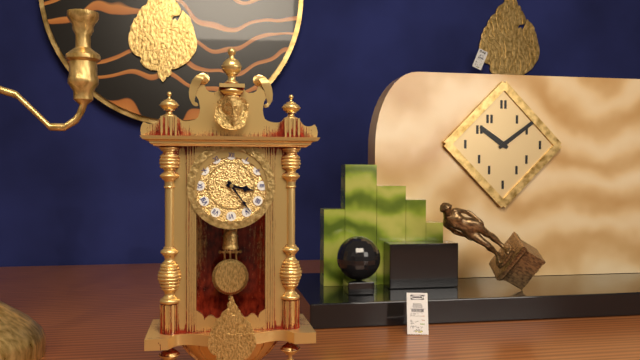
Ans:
3.24
